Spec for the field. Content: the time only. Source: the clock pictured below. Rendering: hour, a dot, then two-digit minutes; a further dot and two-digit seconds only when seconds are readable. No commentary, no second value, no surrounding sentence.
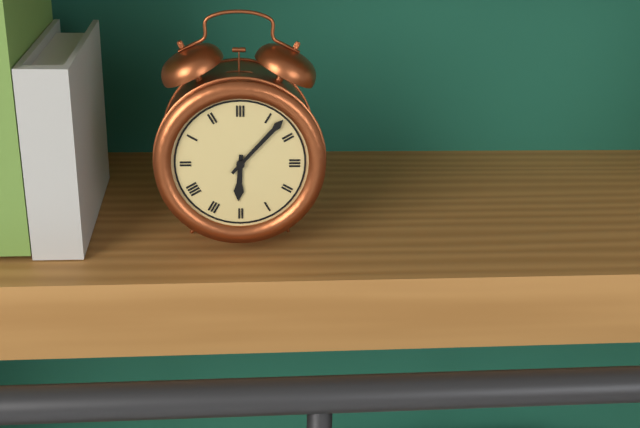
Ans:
6.07
